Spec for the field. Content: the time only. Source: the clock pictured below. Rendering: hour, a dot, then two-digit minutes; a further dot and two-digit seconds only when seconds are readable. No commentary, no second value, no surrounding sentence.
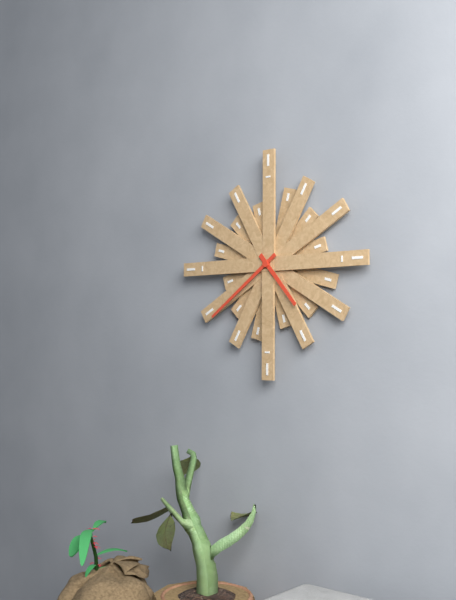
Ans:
4.39
